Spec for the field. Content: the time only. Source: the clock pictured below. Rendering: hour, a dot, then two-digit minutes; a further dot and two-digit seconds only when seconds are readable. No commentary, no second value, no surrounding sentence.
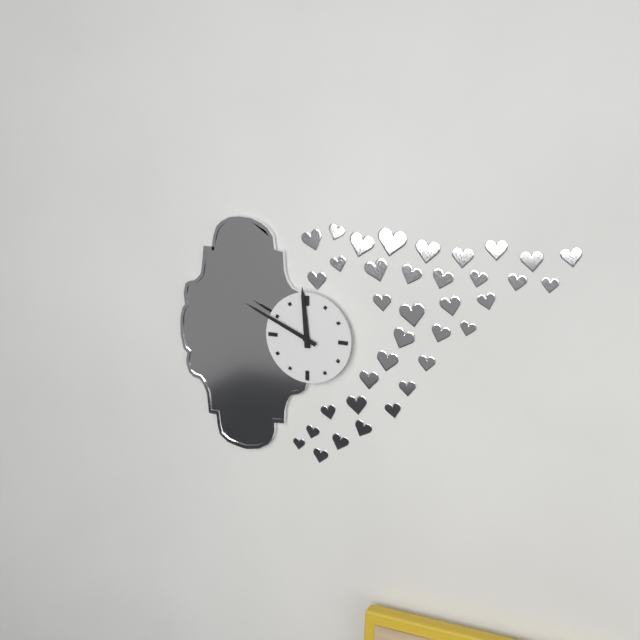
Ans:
11.49
